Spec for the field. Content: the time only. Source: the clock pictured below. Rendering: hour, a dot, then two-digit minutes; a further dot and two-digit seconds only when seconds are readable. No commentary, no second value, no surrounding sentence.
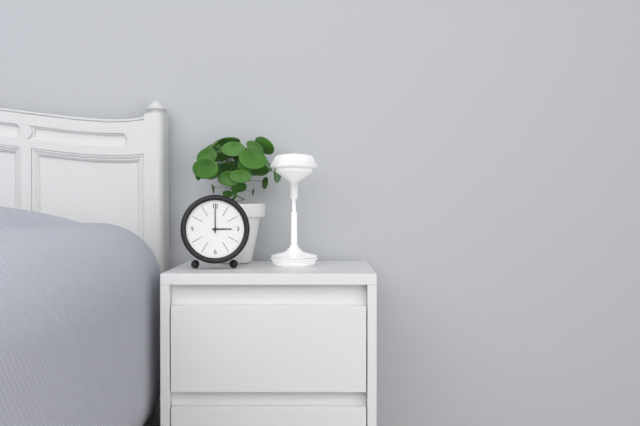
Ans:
3.00
